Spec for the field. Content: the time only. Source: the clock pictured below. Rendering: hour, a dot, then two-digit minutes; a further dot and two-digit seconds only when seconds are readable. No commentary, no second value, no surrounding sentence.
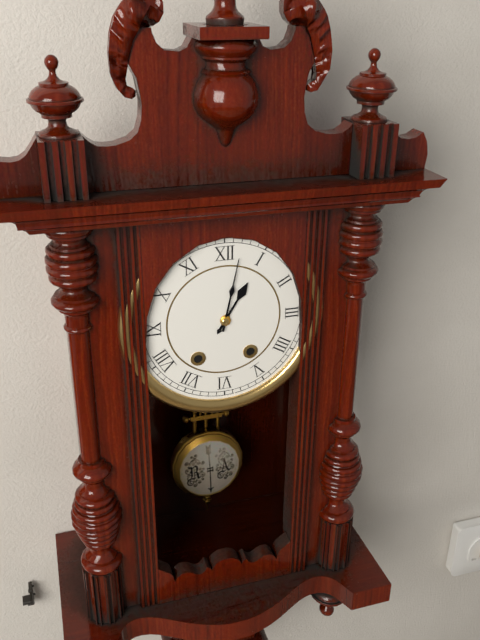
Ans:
1.02
